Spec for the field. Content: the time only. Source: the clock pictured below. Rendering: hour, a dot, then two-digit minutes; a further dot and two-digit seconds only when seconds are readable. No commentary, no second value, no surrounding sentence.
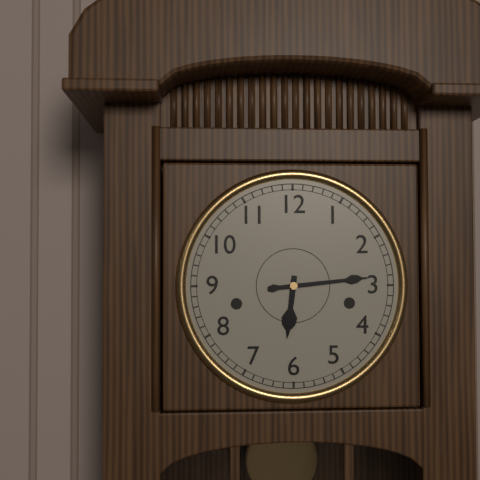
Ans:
6.14
